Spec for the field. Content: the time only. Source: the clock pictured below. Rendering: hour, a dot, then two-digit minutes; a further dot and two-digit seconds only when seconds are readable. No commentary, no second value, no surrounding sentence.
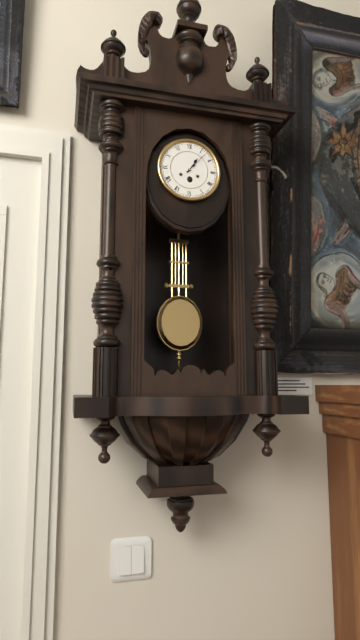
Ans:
1.07
